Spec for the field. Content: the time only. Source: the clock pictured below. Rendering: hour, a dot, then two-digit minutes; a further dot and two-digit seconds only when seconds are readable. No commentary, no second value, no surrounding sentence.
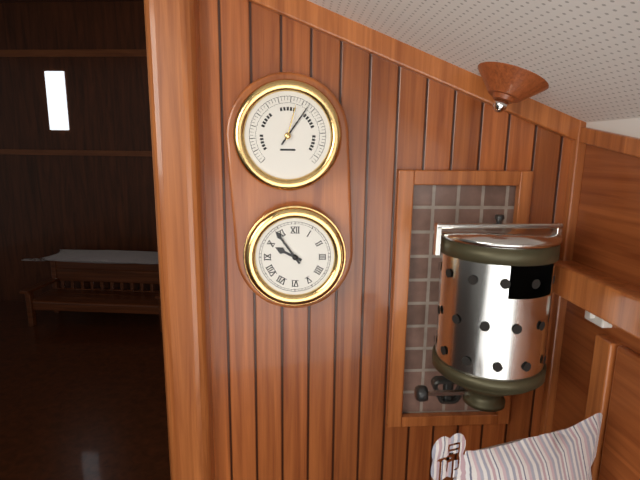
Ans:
9.54
